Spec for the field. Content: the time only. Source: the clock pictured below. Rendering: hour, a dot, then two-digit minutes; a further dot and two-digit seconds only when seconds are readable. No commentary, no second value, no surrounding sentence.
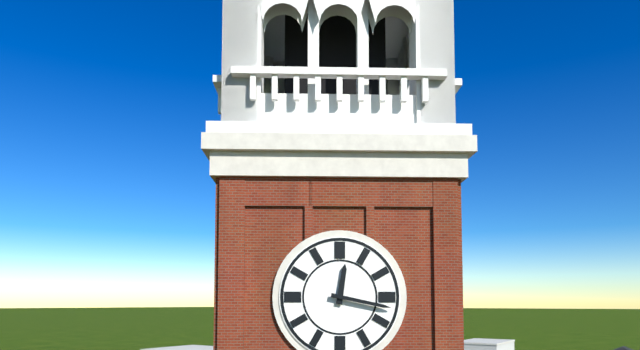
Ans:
12.17
